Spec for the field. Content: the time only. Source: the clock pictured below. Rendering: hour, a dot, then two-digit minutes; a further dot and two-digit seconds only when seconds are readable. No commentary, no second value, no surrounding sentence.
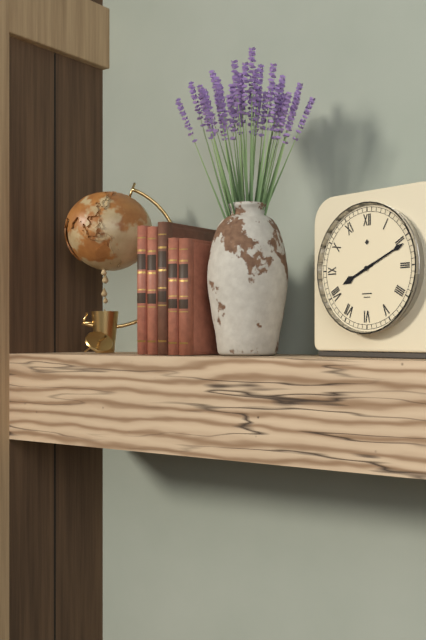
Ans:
8.11
